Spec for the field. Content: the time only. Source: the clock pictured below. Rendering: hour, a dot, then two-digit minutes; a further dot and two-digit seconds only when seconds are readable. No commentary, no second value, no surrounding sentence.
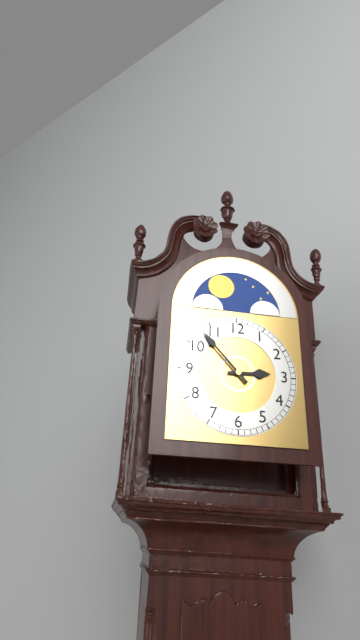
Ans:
2.53
